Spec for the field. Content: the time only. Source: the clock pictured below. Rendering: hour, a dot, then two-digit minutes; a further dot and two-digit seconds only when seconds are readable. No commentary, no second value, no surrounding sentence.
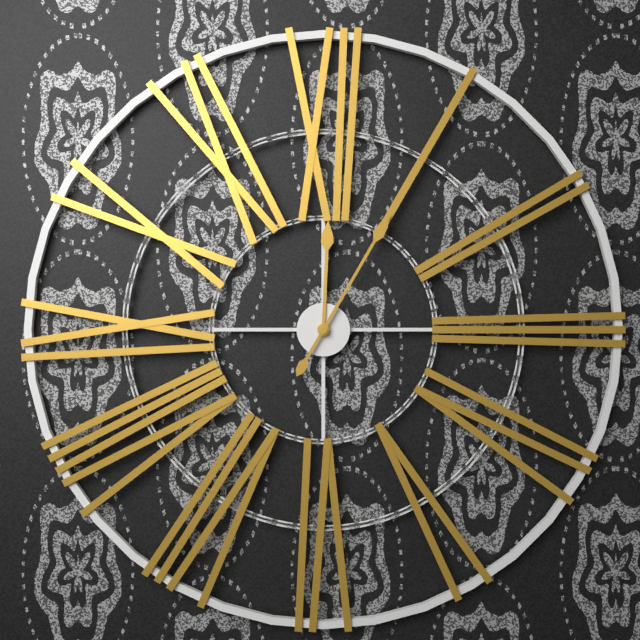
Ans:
12.05
